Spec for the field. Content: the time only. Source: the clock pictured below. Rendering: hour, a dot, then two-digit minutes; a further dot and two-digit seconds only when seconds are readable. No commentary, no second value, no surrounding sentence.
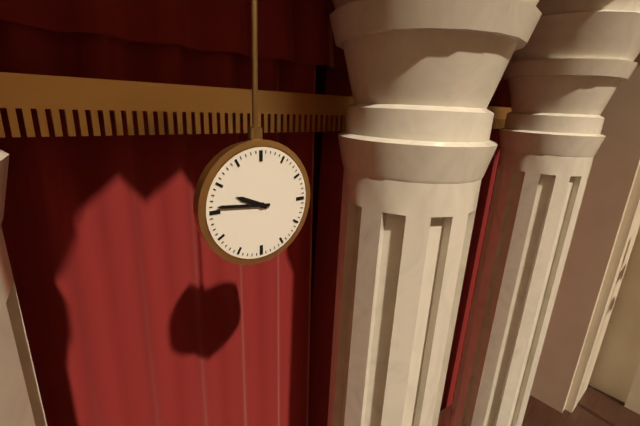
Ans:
9.46
